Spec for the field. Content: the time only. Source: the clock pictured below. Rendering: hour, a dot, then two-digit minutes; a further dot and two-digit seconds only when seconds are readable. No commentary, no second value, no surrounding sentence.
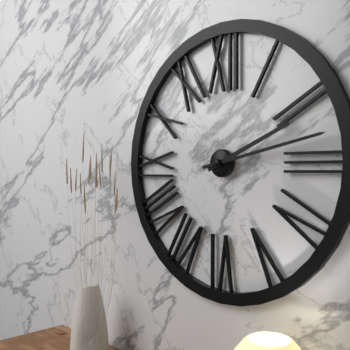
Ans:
2.13
